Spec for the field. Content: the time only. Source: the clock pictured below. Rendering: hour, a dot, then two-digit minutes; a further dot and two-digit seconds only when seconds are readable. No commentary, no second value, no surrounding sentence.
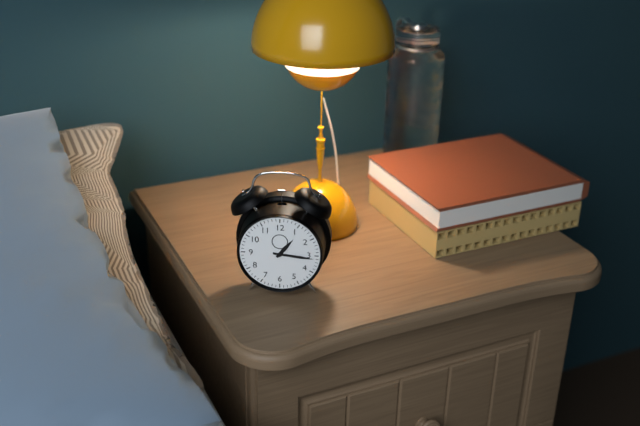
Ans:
1.16
